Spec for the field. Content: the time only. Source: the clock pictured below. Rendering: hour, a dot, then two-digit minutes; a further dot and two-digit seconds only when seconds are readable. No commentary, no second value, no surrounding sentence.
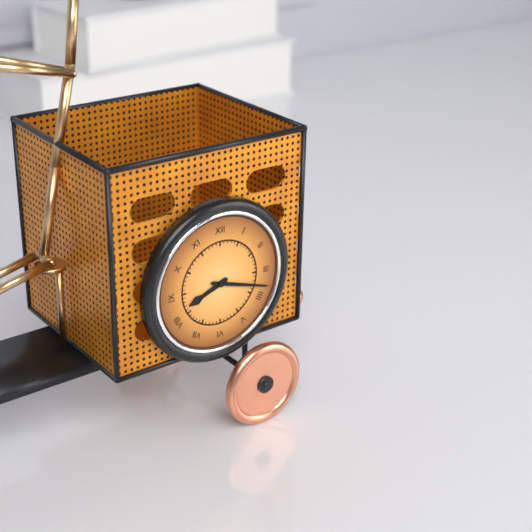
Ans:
8.18
